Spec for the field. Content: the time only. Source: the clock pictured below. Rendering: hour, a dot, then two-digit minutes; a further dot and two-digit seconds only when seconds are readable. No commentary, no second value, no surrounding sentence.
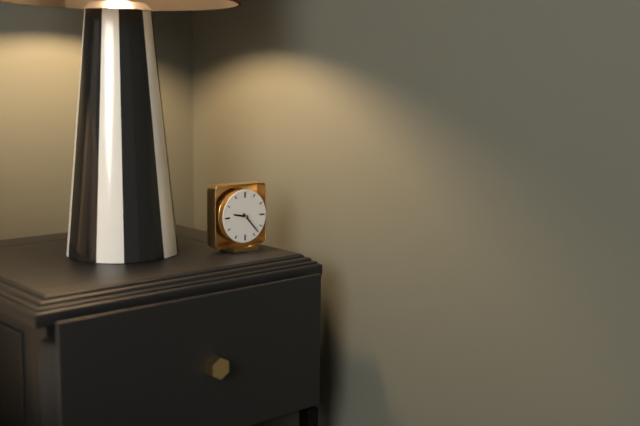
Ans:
9.23
